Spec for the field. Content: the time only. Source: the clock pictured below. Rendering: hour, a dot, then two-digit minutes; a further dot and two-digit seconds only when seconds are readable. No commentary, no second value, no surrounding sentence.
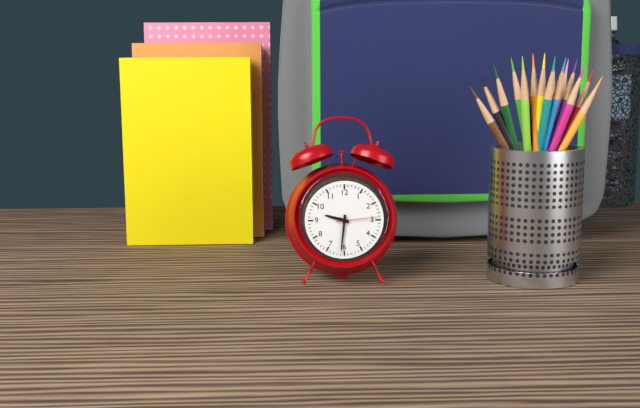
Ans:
9.31
